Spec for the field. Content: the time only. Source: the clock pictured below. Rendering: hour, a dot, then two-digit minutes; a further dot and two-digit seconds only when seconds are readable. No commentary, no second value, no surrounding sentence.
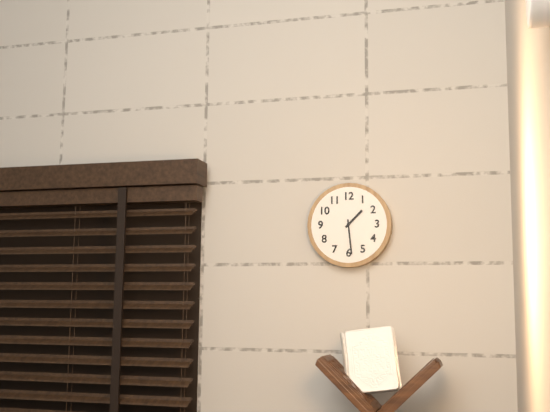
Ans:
1.29
